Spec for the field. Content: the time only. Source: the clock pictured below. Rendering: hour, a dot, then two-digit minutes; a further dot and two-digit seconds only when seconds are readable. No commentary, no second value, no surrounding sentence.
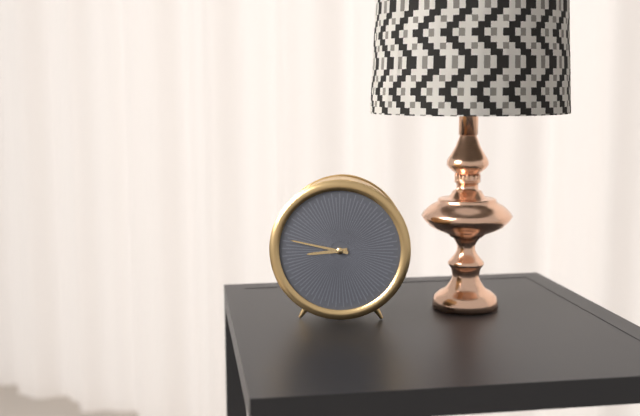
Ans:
8.47
